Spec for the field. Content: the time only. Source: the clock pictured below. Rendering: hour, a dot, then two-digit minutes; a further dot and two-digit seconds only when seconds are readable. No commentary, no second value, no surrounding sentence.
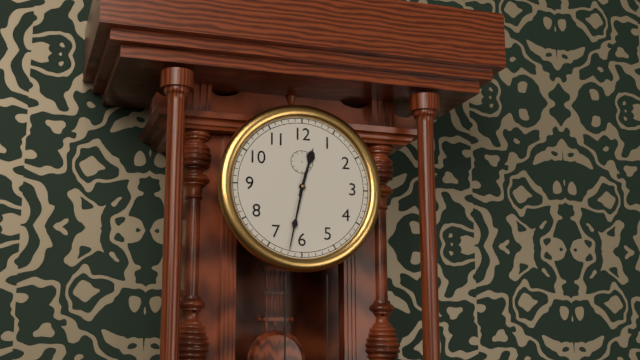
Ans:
12.32
